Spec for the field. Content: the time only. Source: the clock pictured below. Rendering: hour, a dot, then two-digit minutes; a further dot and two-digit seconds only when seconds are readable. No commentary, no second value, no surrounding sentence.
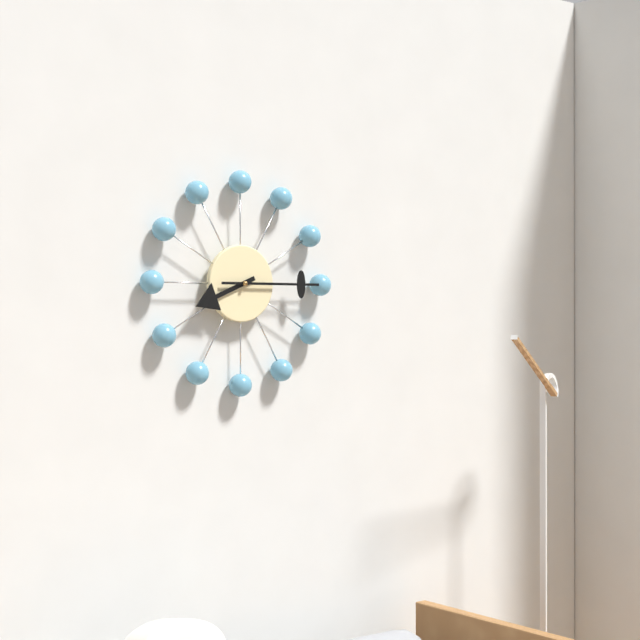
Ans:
8.15
